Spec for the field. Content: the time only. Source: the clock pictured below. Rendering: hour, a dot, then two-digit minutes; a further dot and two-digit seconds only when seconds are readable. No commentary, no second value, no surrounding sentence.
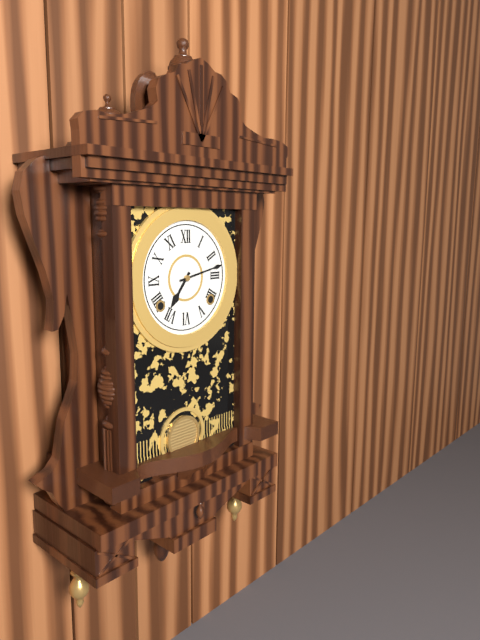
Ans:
7.13
